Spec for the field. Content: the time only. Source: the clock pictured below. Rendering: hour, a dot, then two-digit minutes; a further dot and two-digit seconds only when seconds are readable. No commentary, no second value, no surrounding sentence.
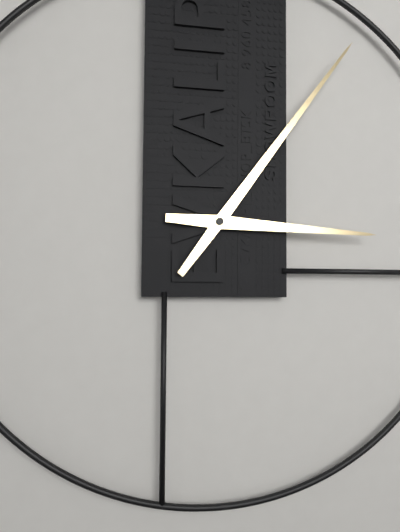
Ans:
3.06
